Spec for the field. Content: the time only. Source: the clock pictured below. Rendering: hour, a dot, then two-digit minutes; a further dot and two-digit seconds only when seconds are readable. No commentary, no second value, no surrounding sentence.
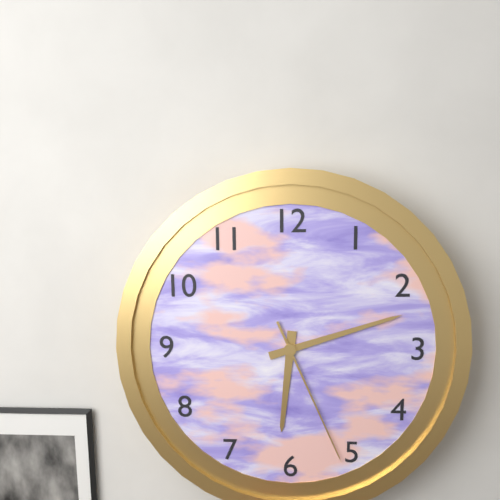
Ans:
6.12.26
